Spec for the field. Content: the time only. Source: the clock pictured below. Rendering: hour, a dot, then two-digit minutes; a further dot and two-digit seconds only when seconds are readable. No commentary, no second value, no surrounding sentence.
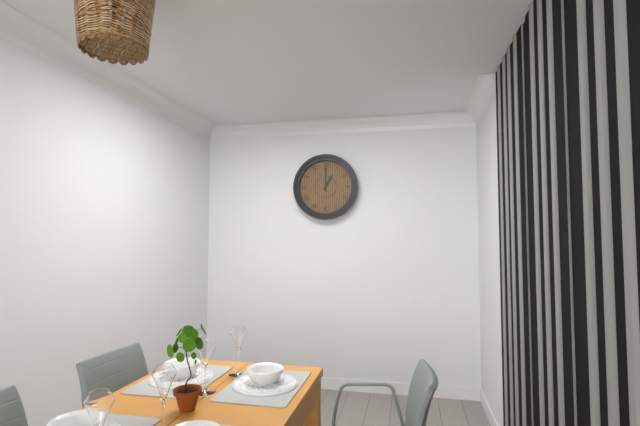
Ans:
1.00
